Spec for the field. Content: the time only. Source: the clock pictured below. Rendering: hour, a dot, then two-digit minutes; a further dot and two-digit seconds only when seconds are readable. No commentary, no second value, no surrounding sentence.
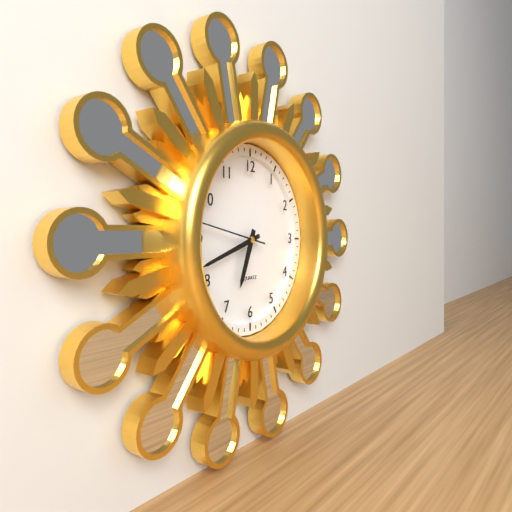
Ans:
6.42.47
